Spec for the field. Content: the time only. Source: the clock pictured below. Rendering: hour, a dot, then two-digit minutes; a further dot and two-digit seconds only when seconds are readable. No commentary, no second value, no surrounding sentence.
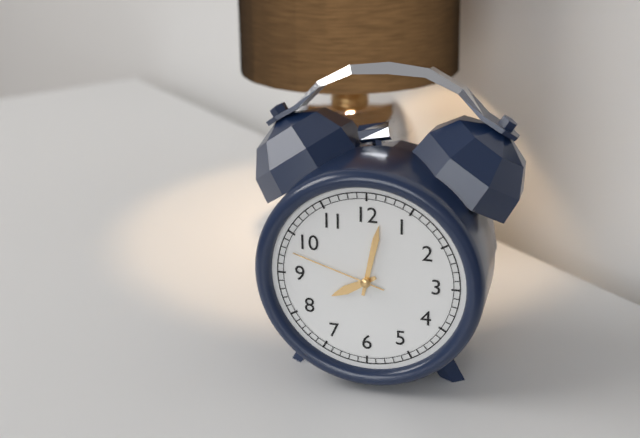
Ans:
8.02.48
